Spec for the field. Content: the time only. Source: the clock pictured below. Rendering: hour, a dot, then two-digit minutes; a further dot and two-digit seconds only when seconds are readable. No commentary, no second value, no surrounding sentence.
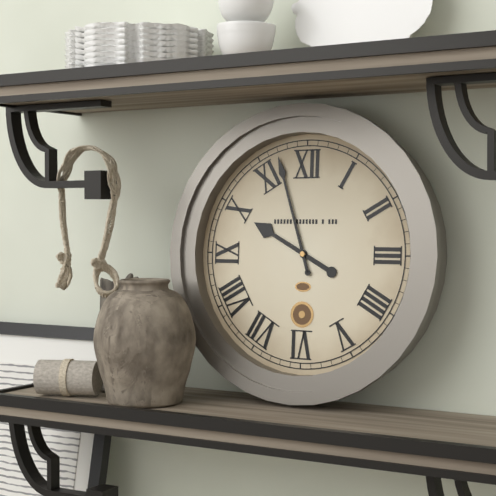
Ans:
9.57
